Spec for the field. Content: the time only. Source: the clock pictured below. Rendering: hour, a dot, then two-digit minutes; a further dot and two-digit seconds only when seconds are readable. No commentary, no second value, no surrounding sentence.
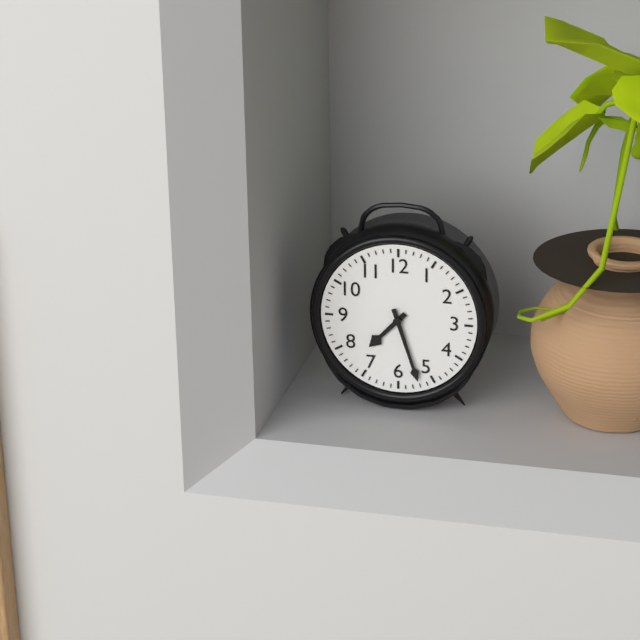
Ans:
7.27
